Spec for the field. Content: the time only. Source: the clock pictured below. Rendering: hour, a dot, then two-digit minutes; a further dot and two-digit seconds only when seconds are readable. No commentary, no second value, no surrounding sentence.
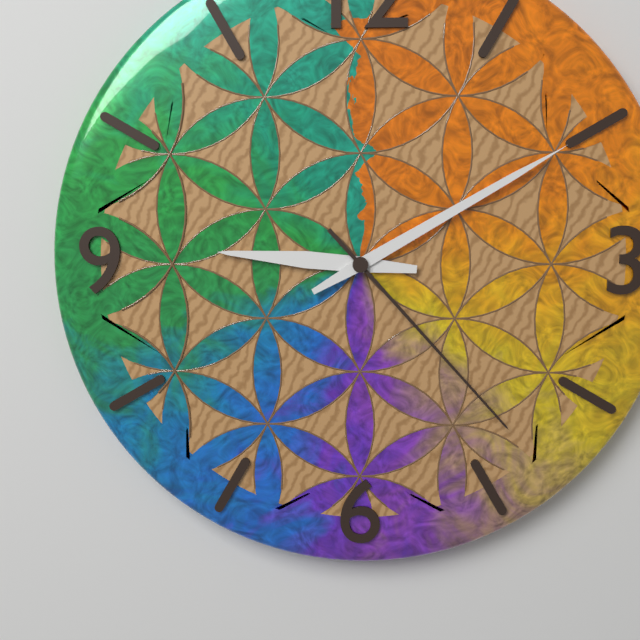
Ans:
9.10.23
